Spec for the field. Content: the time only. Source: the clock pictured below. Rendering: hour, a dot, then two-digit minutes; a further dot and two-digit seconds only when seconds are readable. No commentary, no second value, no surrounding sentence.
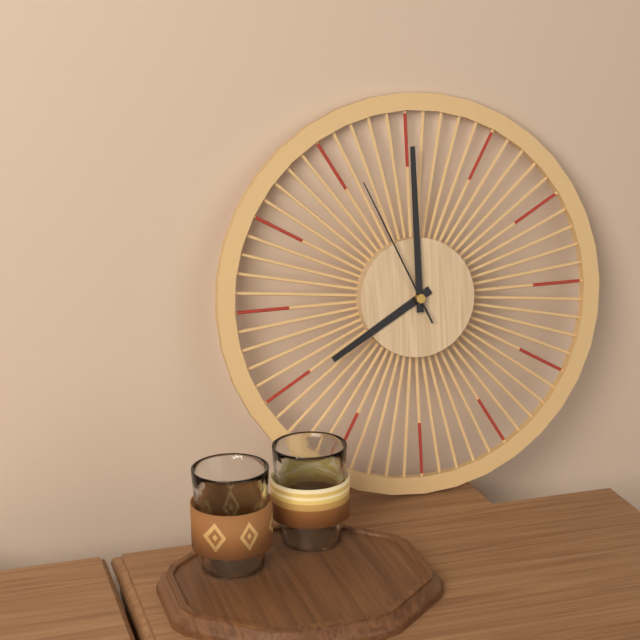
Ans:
8.00.56
